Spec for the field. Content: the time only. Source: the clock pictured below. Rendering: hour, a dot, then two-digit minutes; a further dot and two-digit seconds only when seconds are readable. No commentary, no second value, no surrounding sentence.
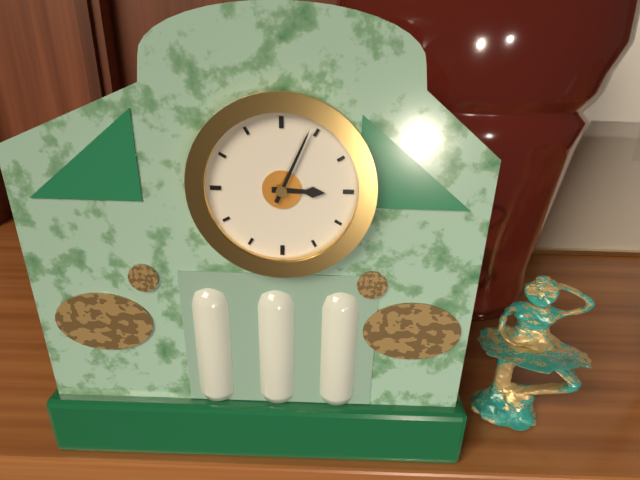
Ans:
3.04
